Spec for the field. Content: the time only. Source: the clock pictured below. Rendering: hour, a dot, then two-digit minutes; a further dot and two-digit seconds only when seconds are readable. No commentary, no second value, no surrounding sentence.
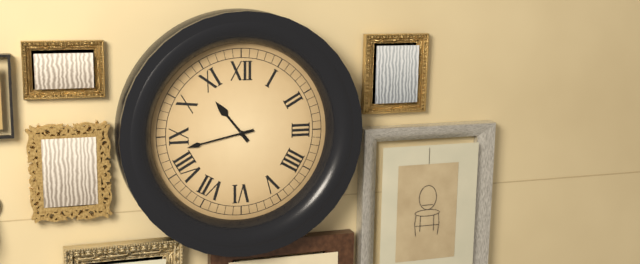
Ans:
10.43
